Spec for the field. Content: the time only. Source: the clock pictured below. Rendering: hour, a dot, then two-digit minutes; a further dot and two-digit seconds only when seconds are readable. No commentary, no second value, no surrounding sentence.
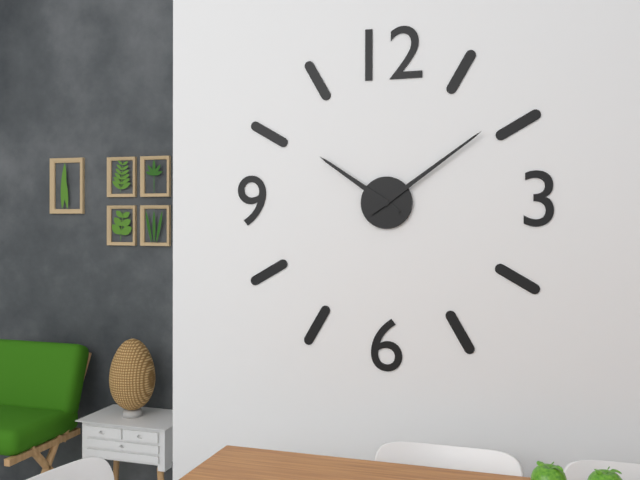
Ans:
10.09
